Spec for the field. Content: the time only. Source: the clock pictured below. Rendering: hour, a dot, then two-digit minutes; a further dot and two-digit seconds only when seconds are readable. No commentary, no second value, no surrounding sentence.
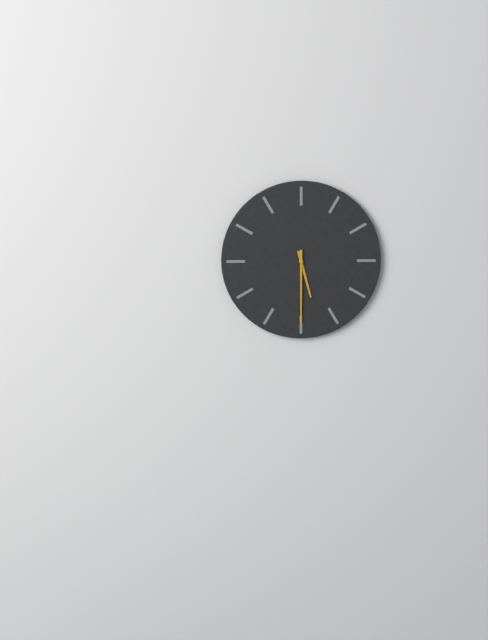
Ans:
5.30
